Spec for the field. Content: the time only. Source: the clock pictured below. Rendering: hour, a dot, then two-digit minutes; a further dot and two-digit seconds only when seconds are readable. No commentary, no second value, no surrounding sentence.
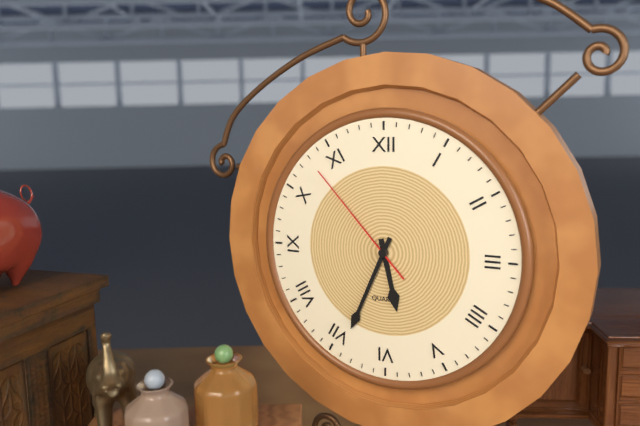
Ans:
5.34.53
